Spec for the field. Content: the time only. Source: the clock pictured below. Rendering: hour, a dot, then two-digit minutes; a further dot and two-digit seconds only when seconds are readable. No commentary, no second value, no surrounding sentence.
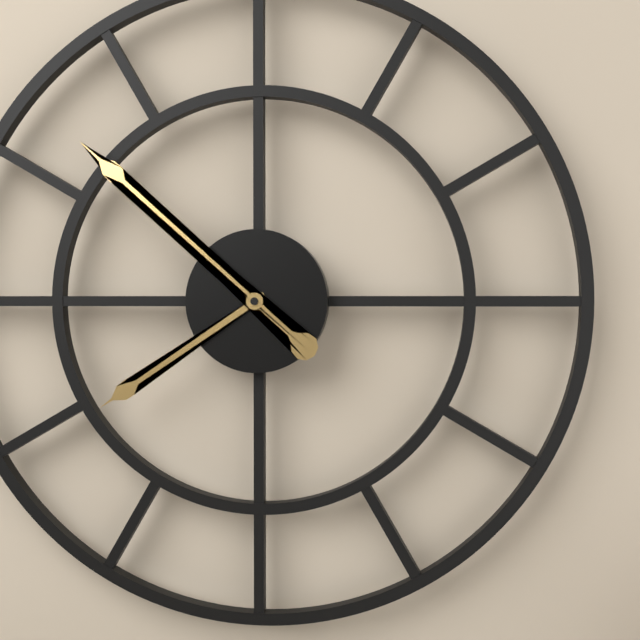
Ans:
7.52
